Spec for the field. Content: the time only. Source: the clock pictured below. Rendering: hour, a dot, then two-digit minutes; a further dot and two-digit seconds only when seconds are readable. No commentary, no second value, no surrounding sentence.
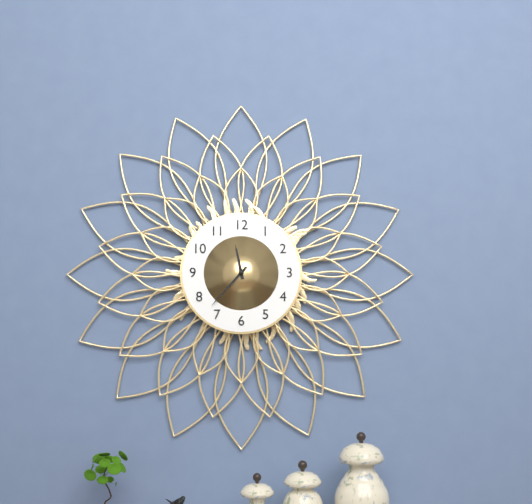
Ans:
11.37
